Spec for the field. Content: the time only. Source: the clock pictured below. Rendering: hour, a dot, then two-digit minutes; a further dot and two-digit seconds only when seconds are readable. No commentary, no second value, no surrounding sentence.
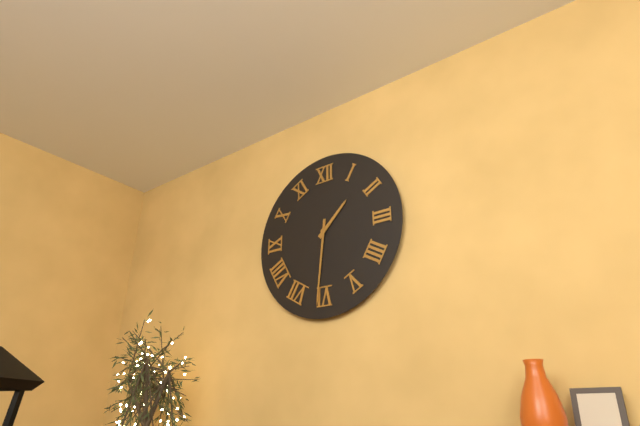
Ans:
1.31
